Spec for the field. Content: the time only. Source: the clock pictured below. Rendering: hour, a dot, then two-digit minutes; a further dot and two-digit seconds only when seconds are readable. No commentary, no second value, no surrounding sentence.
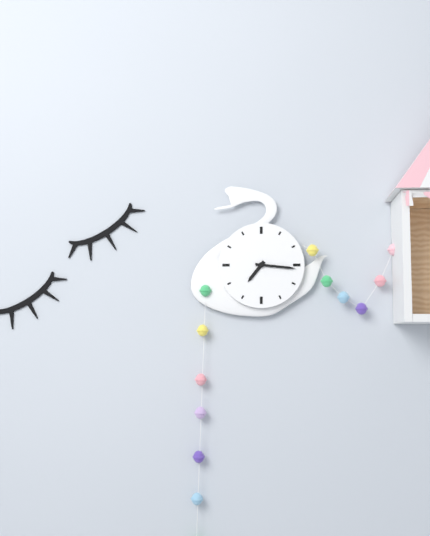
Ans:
7.16
